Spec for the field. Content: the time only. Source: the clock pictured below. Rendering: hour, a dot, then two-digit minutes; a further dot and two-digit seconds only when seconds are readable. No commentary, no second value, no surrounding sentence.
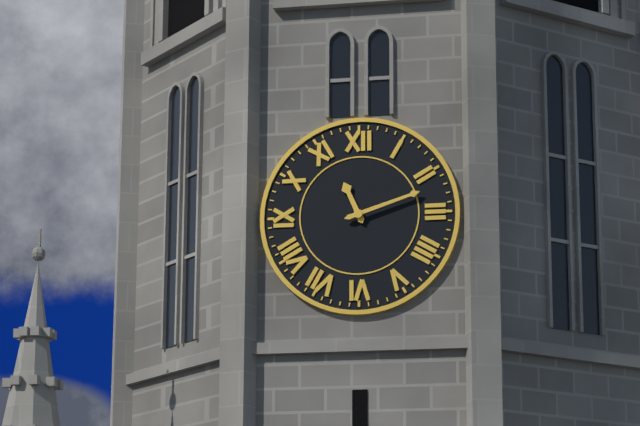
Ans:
11.12
